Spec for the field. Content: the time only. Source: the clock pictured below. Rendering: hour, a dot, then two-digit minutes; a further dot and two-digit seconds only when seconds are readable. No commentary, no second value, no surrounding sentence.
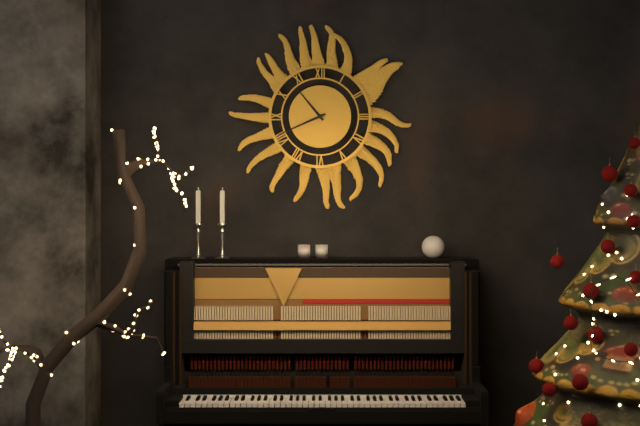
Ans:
10.41
